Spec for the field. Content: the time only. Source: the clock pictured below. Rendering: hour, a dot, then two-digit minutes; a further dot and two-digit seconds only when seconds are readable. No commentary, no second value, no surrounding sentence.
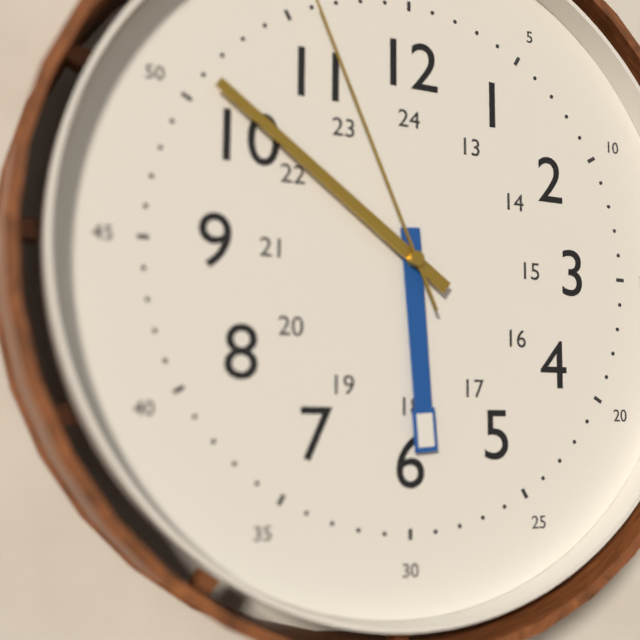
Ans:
5.51
